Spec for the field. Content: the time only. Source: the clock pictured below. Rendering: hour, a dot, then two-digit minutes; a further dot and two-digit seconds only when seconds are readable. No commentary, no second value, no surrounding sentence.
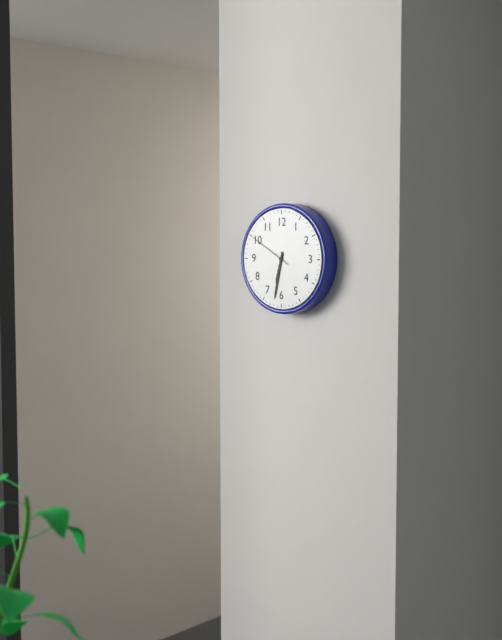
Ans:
6.32
